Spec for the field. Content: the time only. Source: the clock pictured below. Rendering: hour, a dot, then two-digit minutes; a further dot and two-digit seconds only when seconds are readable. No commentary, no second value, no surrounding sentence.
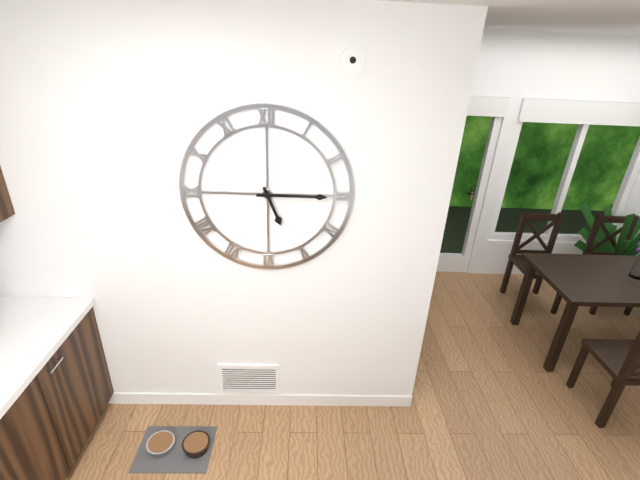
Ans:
5.15
